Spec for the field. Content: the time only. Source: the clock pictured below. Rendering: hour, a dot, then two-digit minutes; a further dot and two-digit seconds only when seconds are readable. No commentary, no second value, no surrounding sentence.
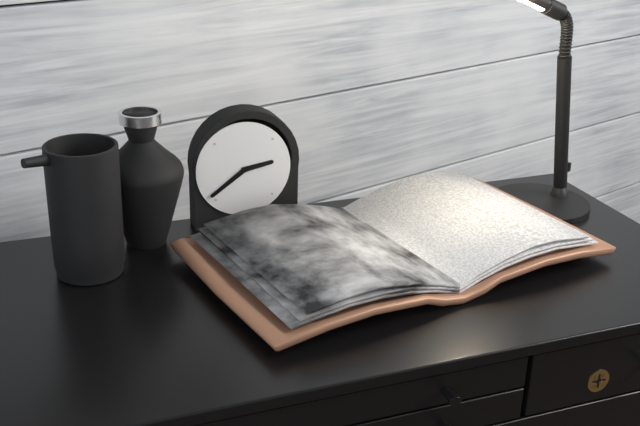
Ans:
2.39
